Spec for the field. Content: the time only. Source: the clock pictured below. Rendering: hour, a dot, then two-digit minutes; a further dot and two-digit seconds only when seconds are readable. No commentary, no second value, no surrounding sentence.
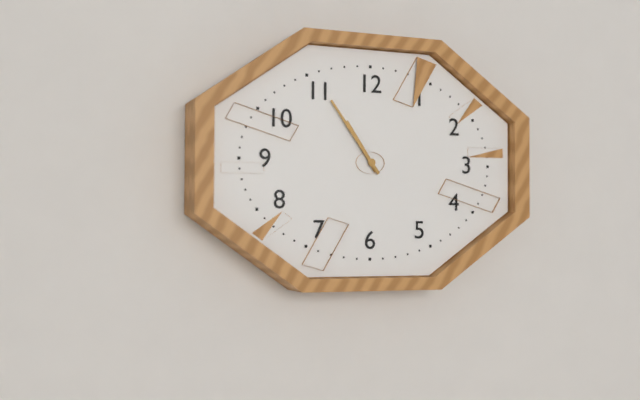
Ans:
10.54
